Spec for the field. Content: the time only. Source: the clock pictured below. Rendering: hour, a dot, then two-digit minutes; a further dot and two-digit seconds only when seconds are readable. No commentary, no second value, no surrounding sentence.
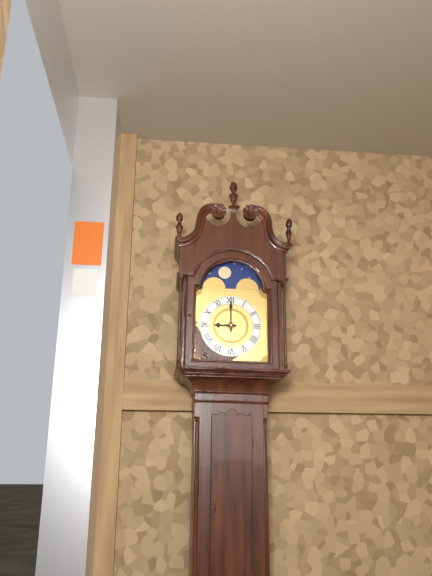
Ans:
9.00
